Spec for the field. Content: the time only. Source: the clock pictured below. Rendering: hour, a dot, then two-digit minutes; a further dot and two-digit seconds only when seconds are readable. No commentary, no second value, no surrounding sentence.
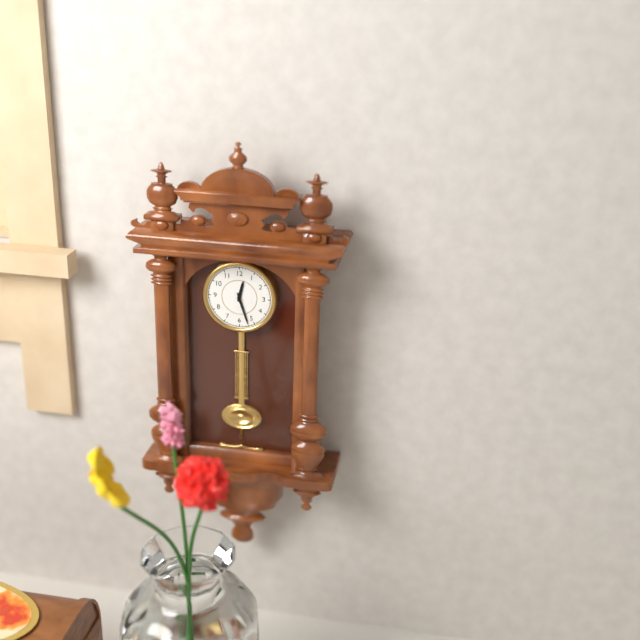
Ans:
12.27
